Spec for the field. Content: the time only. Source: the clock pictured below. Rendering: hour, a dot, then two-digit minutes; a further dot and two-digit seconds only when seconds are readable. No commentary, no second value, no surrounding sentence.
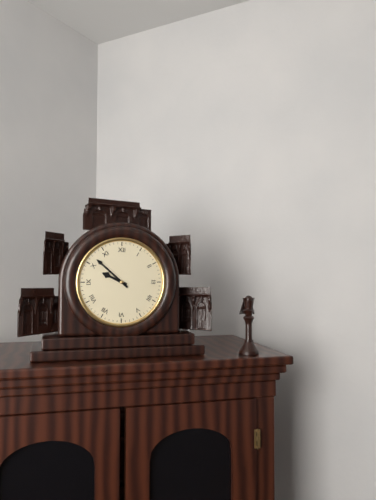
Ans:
9.52
